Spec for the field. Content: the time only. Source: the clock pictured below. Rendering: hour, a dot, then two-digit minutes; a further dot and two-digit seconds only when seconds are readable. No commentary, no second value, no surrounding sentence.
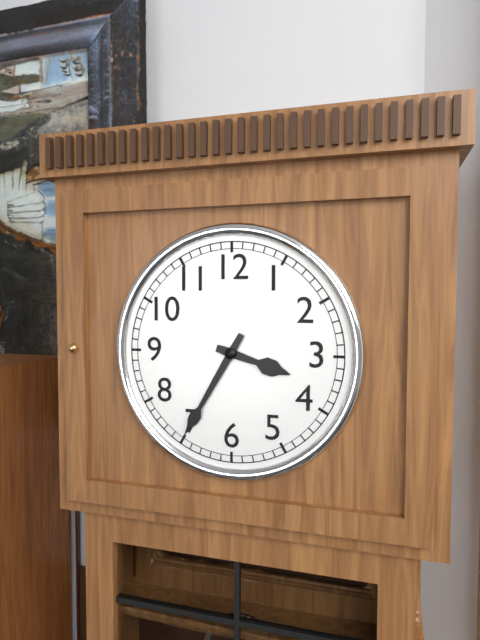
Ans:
3.35
